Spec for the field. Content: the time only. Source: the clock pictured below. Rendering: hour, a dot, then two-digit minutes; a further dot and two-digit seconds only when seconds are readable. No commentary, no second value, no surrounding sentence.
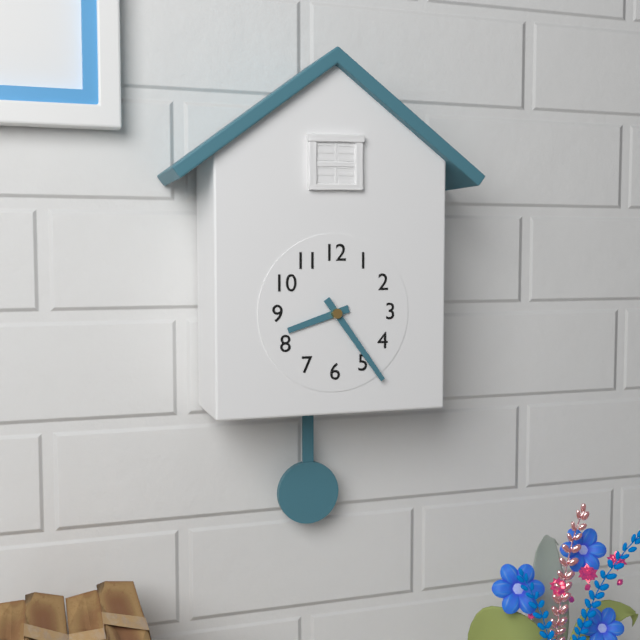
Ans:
8.24
